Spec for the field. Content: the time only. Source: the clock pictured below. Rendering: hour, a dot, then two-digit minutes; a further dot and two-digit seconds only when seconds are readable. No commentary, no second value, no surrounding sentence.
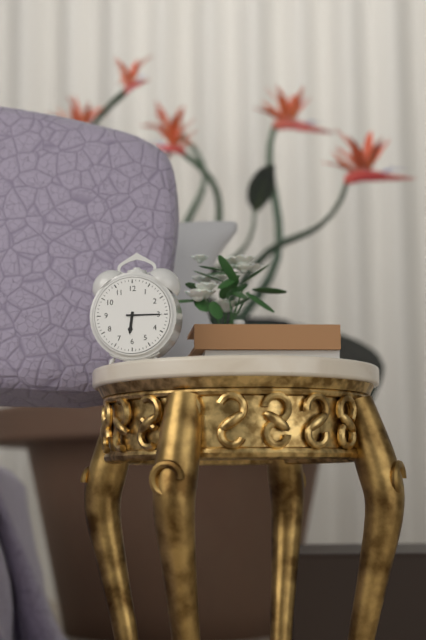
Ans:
6.15
